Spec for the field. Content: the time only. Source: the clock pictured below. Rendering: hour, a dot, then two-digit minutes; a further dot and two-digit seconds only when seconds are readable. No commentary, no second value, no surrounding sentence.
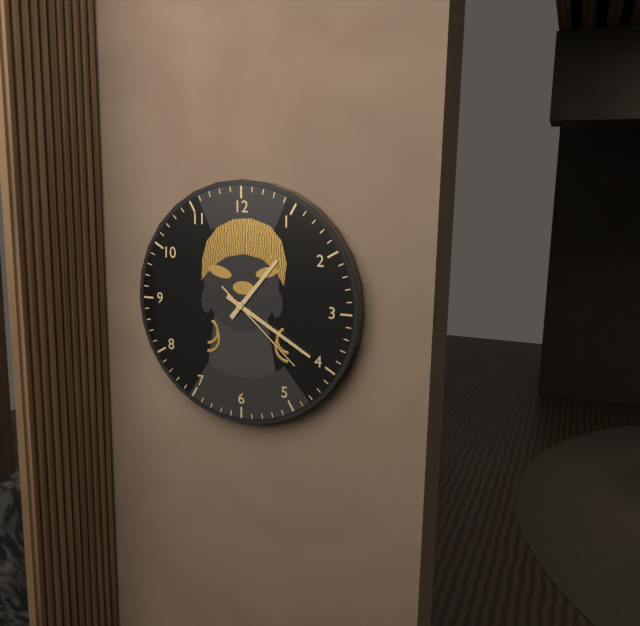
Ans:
1.20.22
